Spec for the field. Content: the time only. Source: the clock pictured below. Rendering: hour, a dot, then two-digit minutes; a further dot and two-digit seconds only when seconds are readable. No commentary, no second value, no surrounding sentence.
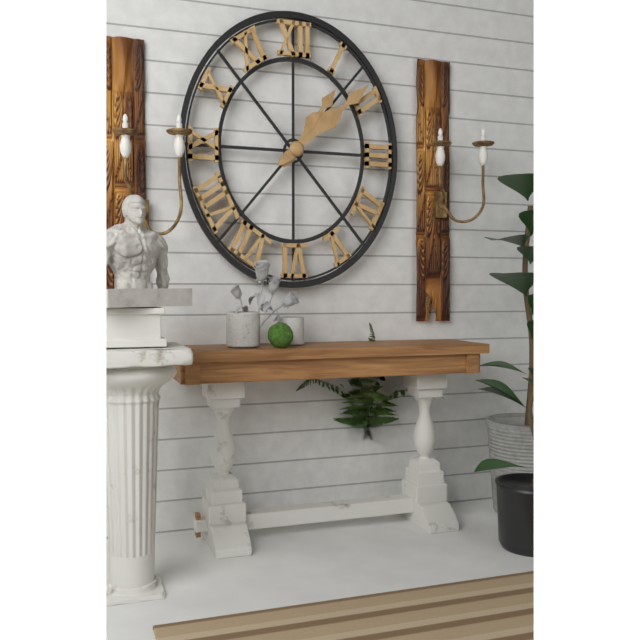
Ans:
1.08
